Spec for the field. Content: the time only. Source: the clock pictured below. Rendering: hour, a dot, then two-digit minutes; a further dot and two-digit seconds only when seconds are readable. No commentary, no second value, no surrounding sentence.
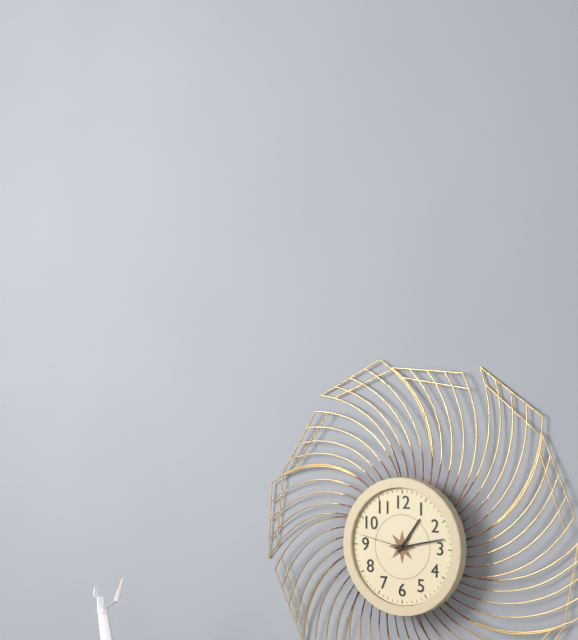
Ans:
1.13.47
